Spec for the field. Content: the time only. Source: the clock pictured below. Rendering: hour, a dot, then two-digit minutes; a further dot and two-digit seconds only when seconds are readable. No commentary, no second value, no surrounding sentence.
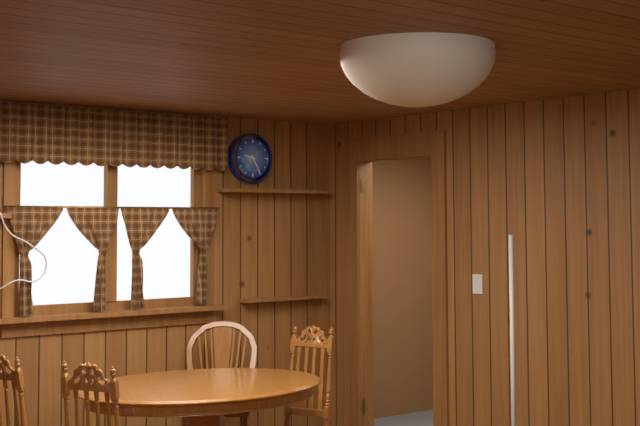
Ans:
9.25
